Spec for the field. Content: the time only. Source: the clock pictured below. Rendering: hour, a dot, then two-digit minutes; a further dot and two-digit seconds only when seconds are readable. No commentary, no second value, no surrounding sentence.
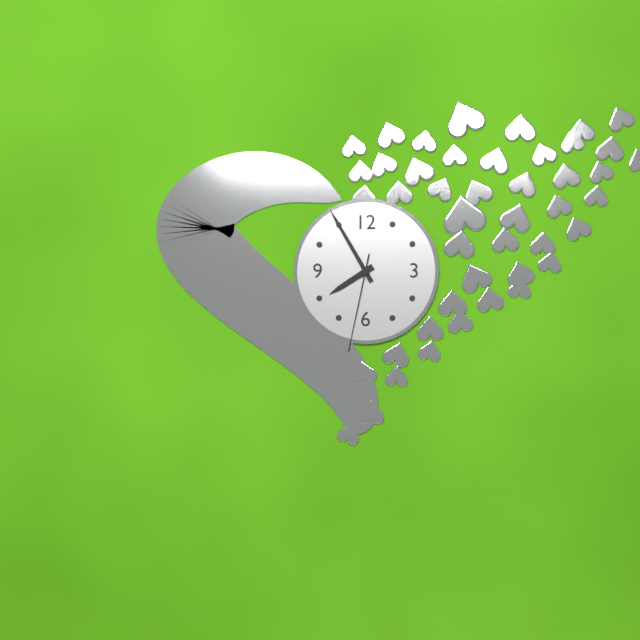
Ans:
7.55.32
